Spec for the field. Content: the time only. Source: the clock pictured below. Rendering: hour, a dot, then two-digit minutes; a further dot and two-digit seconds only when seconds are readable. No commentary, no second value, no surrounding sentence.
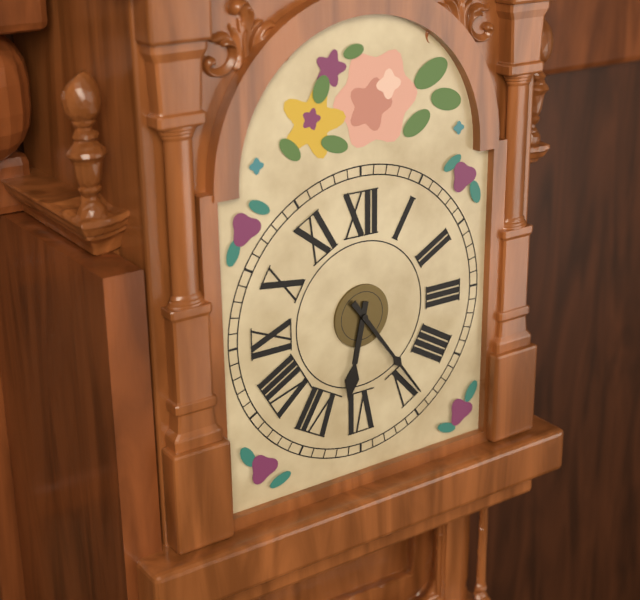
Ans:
6.24
